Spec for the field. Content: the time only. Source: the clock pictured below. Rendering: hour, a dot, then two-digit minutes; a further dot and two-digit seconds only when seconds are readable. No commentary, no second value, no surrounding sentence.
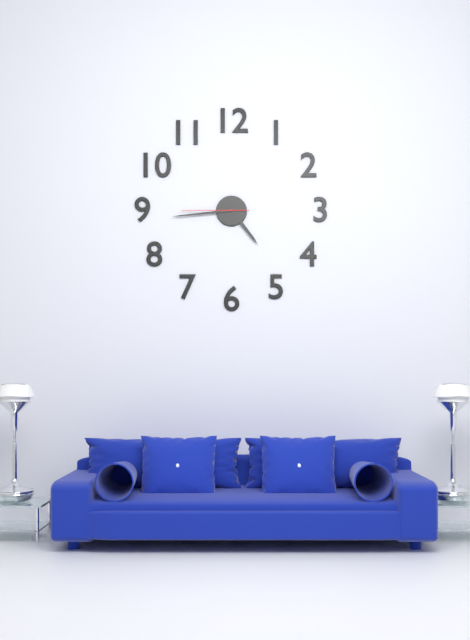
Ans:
4.44.45
